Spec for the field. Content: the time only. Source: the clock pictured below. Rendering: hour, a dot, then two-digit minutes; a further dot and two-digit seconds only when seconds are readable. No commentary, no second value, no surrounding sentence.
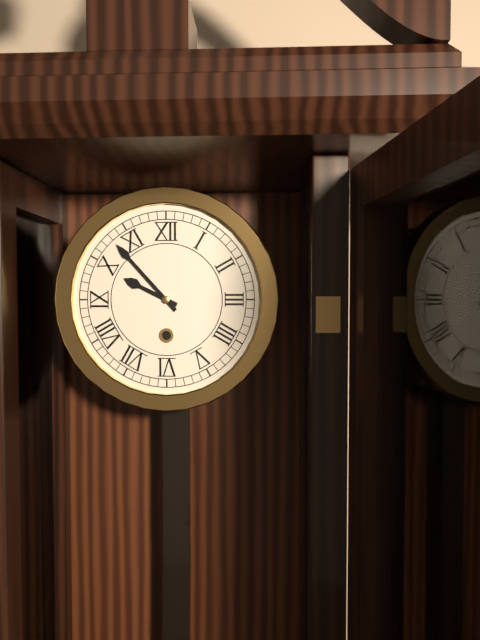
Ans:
9.53
